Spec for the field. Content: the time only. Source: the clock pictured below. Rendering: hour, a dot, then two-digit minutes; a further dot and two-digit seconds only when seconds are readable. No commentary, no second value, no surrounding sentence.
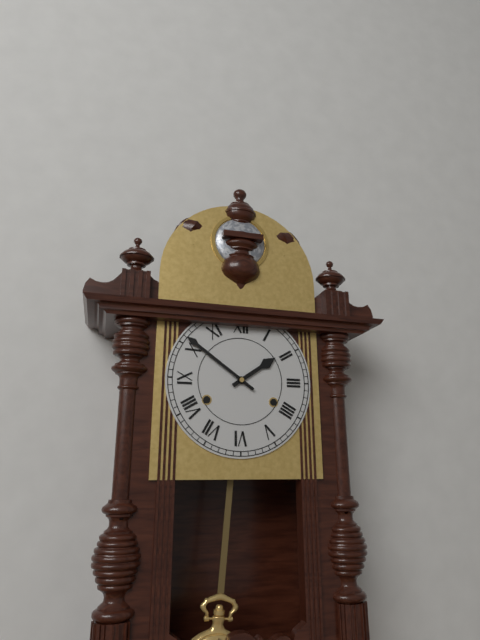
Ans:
1.51
